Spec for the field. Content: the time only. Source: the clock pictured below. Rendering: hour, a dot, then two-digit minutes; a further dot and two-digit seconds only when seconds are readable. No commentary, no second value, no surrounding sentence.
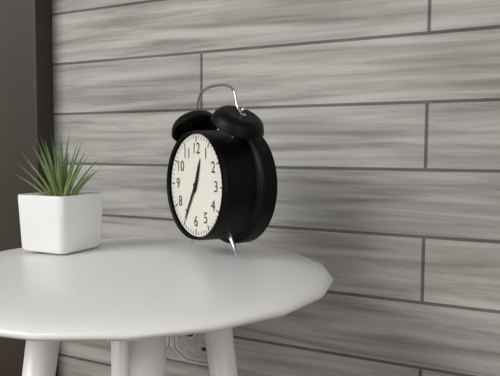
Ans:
12.35
